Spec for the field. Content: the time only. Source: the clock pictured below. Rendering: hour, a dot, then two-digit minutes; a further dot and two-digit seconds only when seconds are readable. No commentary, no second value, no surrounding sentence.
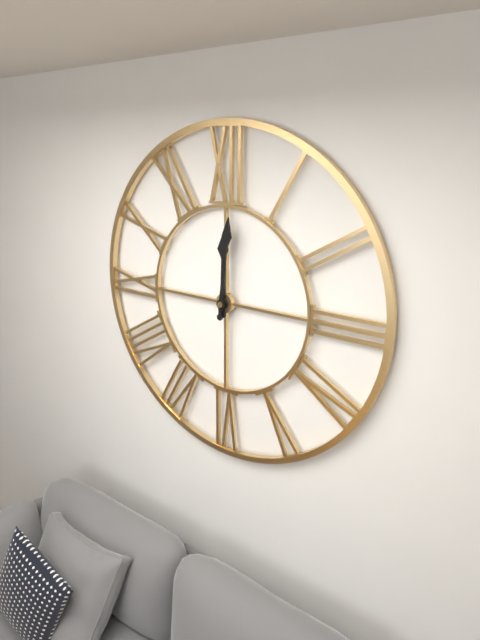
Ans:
12.01
